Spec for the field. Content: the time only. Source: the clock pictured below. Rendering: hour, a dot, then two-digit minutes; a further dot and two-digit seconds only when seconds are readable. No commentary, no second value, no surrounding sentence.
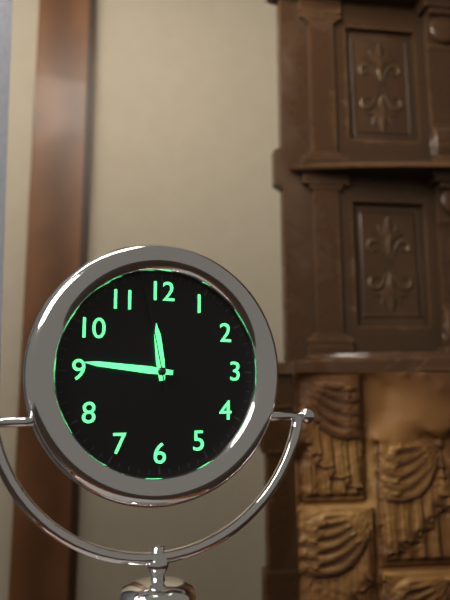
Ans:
11.46.58
